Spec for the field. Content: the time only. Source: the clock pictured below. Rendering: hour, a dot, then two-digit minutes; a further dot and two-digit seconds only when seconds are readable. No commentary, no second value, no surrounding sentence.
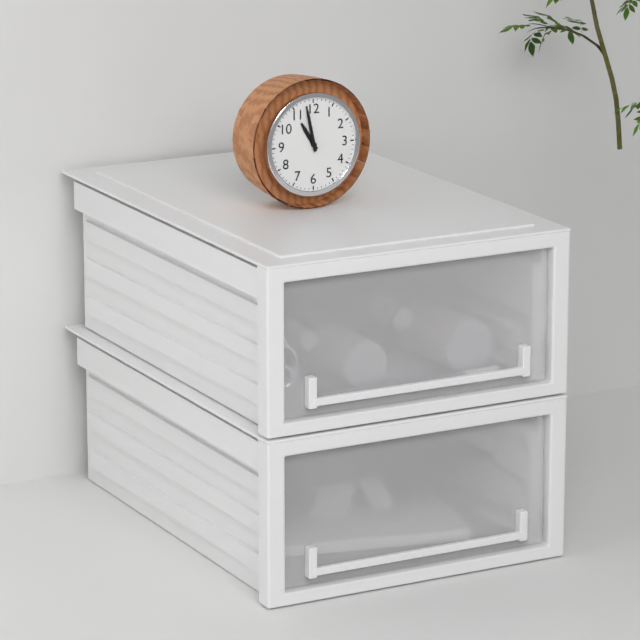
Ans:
10.58
